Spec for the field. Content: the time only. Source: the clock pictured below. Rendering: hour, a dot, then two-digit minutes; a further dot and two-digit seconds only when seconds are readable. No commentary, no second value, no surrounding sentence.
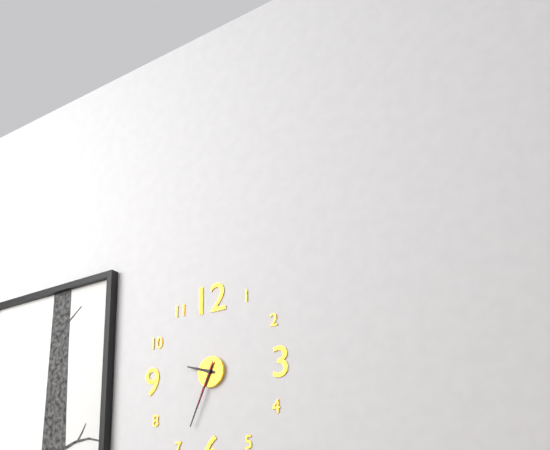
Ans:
9.34
